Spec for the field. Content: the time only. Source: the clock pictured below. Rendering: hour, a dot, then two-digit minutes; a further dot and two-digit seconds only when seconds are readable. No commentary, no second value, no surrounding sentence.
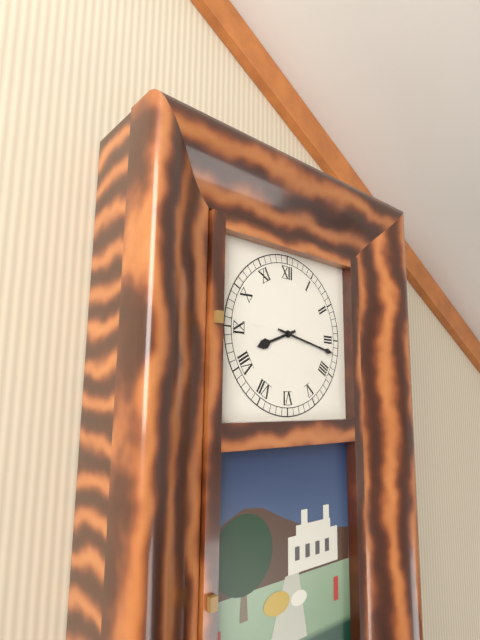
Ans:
8.17
